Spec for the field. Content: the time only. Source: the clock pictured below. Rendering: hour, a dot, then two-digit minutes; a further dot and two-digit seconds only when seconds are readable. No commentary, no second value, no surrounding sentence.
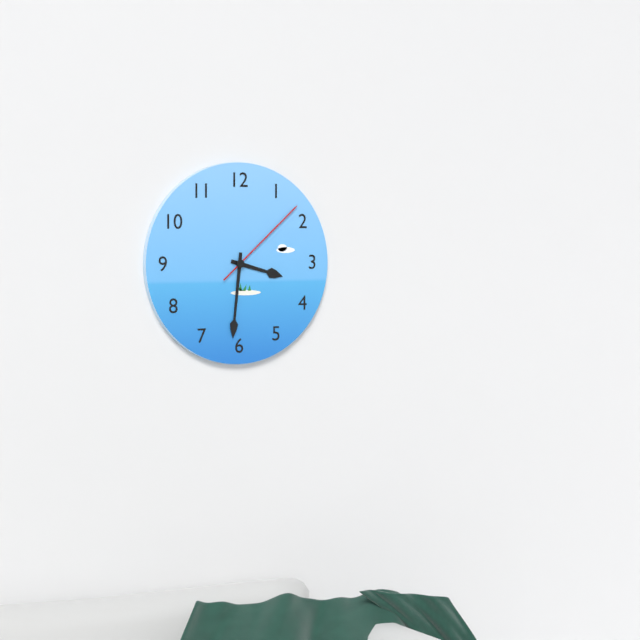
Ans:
3.31.08
